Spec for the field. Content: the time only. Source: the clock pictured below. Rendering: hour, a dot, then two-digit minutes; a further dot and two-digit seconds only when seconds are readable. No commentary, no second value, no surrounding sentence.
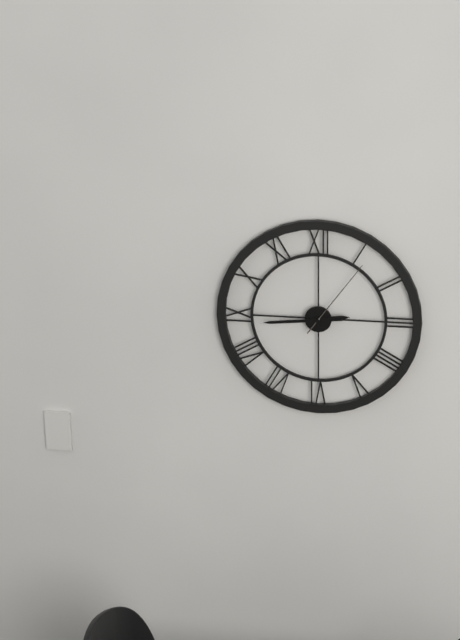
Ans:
2.44.06
